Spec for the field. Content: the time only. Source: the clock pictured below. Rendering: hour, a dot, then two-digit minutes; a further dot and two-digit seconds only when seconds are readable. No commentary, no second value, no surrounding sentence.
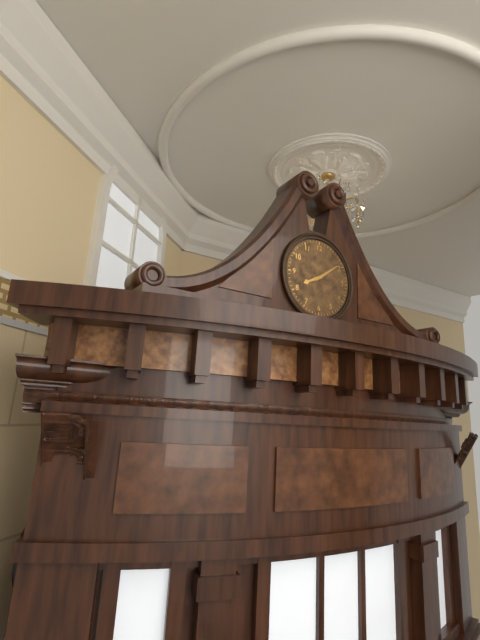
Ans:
8.09
